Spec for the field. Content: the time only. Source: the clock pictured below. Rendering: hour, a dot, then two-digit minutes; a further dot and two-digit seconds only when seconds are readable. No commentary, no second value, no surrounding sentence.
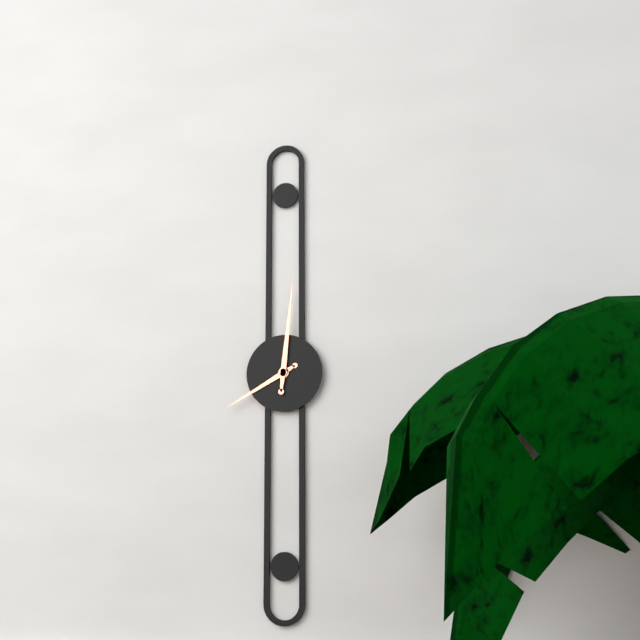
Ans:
8.01
